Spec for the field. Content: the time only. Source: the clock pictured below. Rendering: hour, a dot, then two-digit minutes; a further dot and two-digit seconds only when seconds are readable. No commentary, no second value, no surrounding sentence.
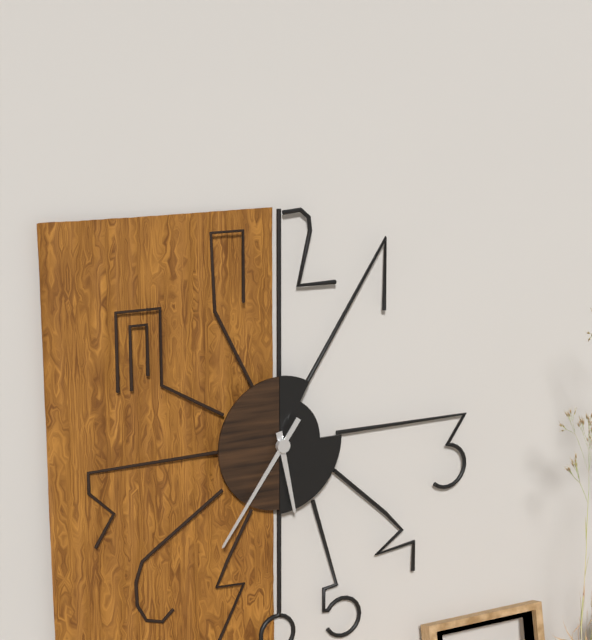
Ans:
5.36
